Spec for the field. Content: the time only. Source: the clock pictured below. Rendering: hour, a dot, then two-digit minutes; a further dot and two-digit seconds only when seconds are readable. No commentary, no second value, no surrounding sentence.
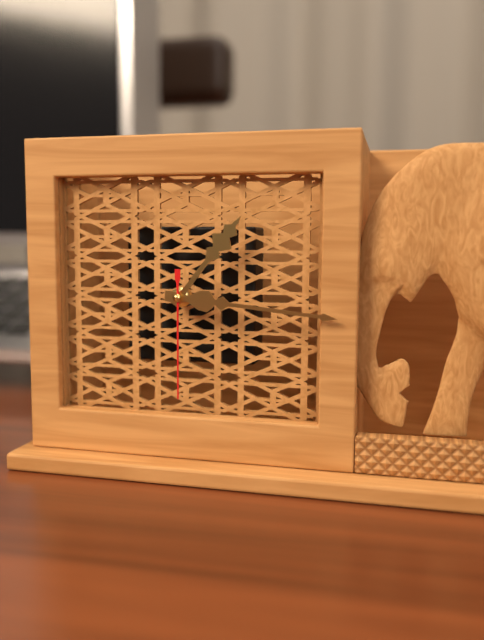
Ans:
1.16.30
